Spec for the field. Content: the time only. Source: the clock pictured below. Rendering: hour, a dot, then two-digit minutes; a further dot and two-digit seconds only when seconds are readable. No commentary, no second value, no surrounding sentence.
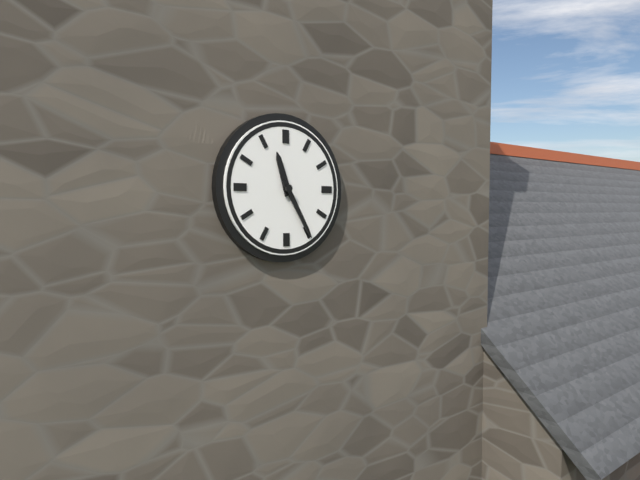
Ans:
11.25
